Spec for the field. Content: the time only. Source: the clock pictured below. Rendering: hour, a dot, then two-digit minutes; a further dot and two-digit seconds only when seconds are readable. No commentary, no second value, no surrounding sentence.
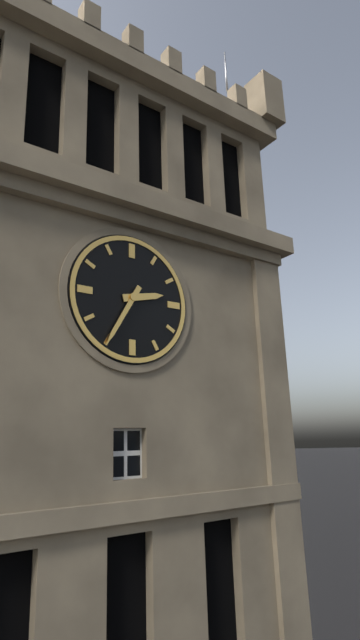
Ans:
2.35
